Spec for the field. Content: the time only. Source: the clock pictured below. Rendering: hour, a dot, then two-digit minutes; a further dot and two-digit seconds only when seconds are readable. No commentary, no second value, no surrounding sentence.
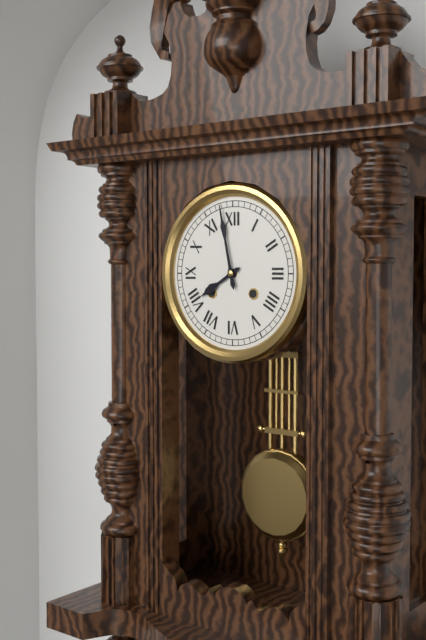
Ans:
7.58
